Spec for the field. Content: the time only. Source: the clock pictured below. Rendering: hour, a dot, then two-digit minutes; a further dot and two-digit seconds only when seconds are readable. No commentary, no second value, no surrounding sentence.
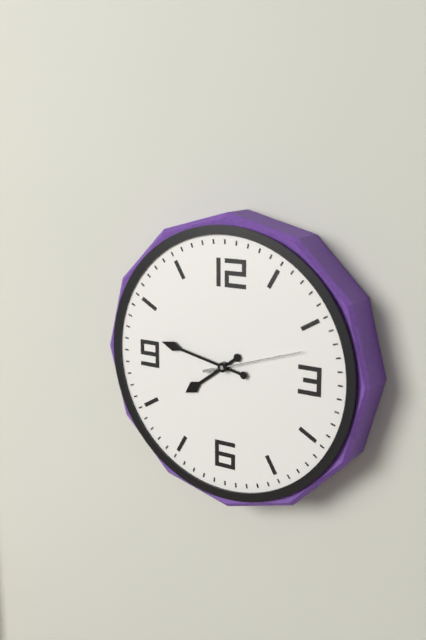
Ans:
7.47.12
